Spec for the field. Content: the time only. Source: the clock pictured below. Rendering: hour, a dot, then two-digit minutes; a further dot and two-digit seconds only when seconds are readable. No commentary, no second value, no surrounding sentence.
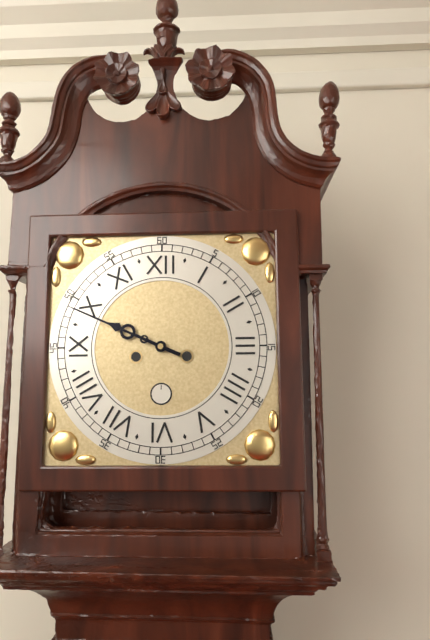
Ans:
9.49
